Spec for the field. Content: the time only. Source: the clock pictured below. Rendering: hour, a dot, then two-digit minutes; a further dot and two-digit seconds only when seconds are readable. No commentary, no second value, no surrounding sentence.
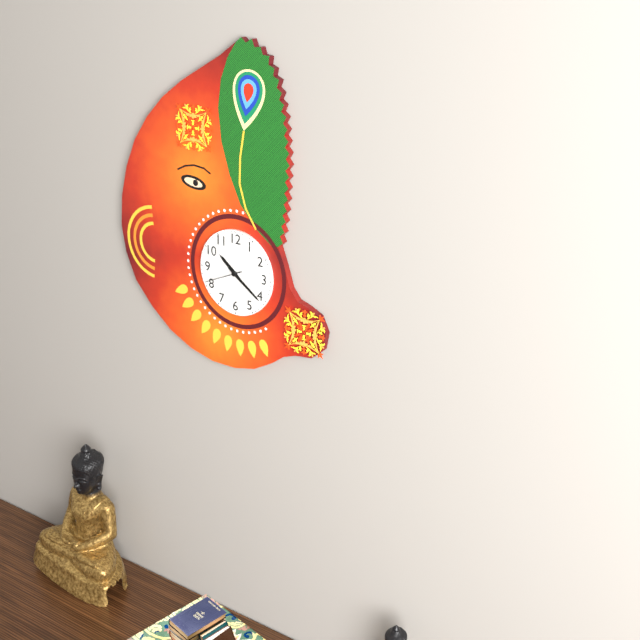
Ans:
10.21
